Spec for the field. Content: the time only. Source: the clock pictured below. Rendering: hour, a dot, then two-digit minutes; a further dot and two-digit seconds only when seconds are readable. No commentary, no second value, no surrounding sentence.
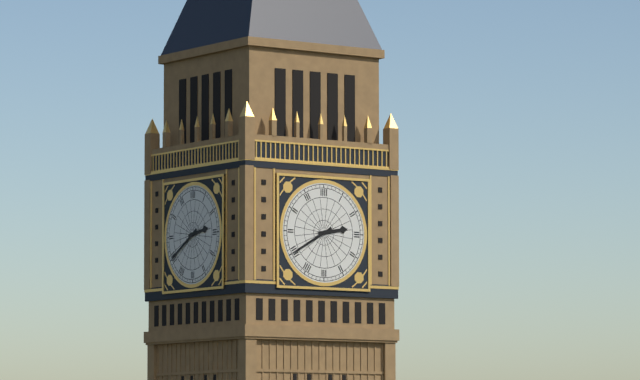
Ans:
2.40
